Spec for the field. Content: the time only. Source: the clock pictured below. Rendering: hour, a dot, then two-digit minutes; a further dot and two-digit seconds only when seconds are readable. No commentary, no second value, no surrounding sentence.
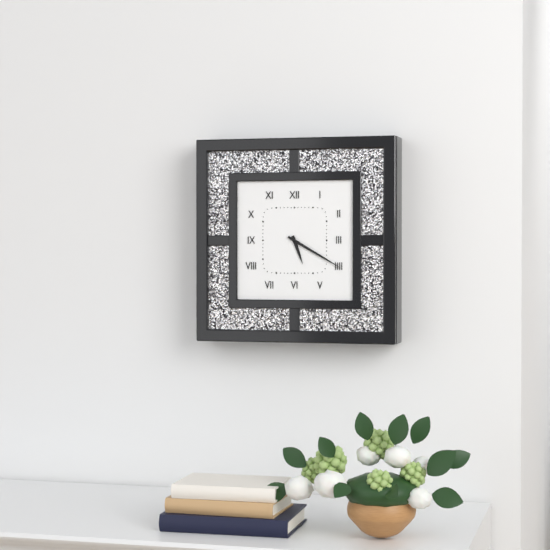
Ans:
5.20
